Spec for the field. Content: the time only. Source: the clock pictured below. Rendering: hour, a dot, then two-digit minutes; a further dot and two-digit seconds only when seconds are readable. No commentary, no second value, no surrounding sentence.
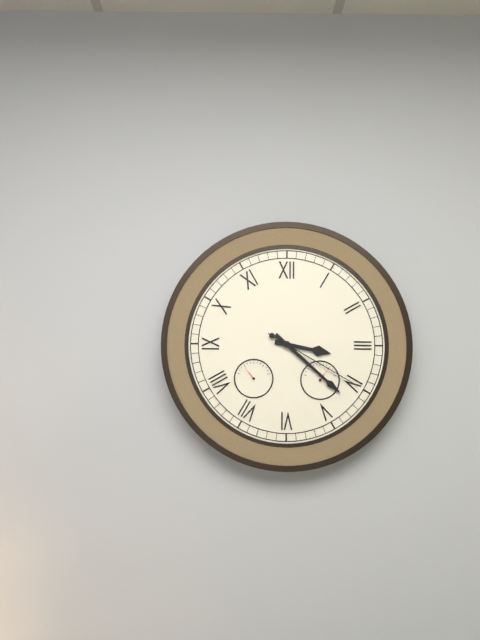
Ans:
3.22.20
